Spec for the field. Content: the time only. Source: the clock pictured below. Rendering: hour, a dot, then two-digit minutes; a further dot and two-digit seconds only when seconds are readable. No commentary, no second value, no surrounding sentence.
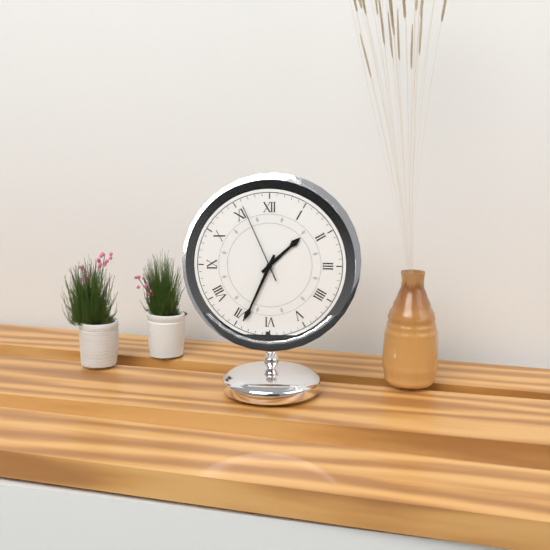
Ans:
1.34.56
